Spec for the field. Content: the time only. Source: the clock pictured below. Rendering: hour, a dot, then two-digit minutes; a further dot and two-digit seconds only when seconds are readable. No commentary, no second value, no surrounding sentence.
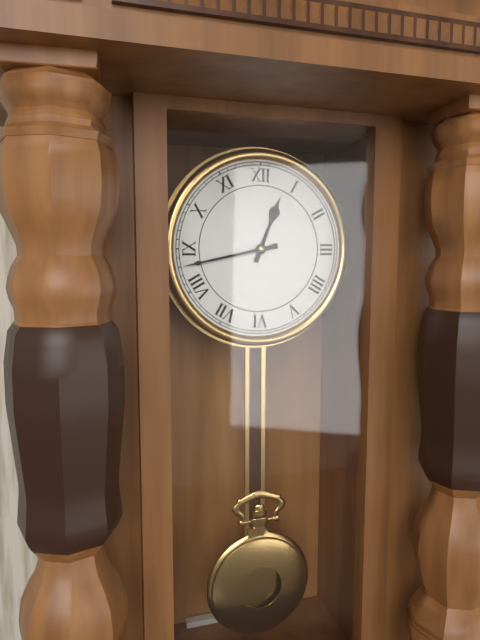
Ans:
12.43
